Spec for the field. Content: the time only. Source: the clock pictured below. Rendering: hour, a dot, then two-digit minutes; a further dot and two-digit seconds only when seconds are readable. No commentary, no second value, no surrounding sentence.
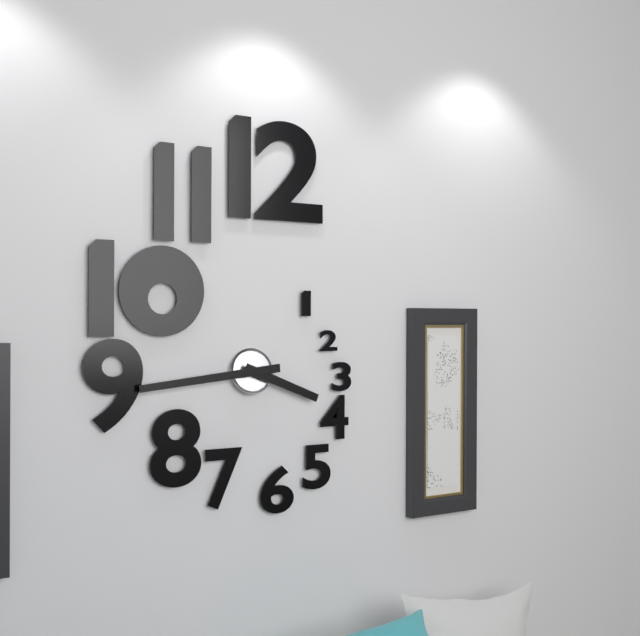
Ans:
3.44
